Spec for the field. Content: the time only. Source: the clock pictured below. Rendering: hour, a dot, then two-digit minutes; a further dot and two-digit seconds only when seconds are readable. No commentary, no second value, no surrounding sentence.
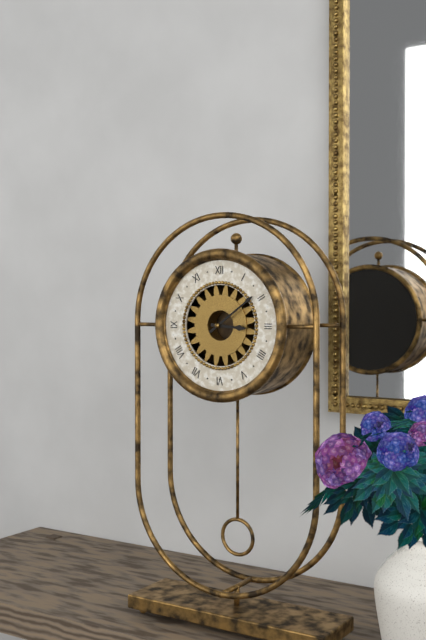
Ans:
3.09
